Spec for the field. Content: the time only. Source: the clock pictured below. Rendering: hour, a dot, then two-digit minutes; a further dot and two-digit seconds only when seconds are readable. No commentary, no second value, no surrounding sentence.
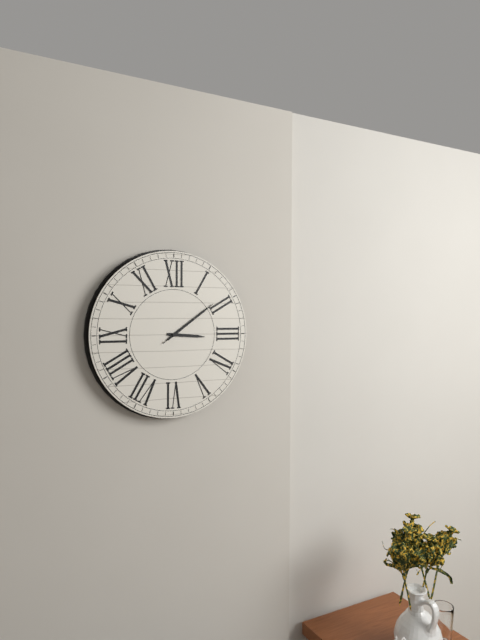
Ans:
3.09.09
